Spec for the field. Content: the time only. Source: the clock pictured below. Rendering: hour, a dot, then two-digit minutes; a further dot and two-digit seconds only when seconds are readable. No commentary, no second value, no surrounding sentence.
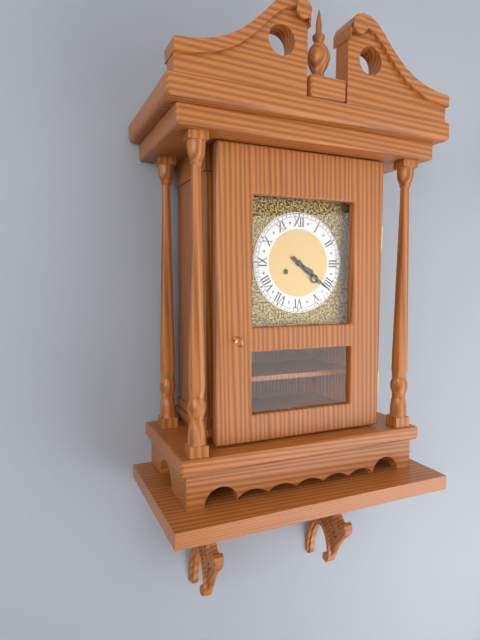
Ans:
4.21
